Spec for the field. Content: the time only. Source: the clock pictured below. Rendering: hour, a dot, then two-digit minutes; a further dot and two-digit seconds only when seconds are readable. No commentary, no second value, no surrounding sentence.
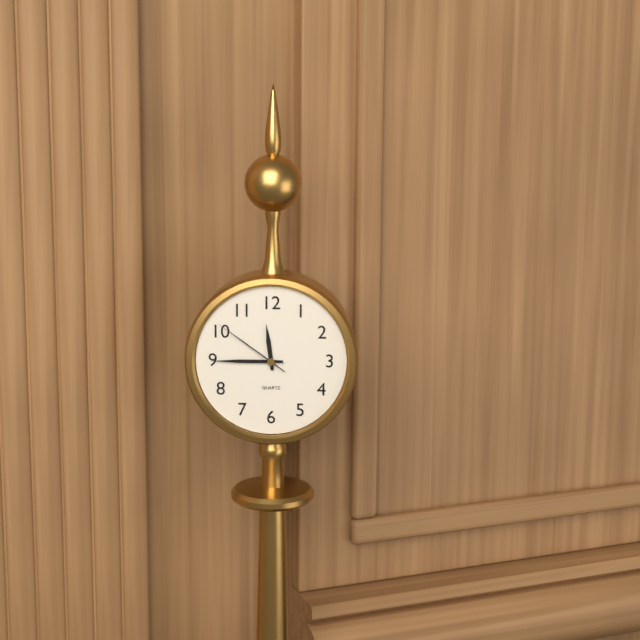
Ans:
11.45.51
